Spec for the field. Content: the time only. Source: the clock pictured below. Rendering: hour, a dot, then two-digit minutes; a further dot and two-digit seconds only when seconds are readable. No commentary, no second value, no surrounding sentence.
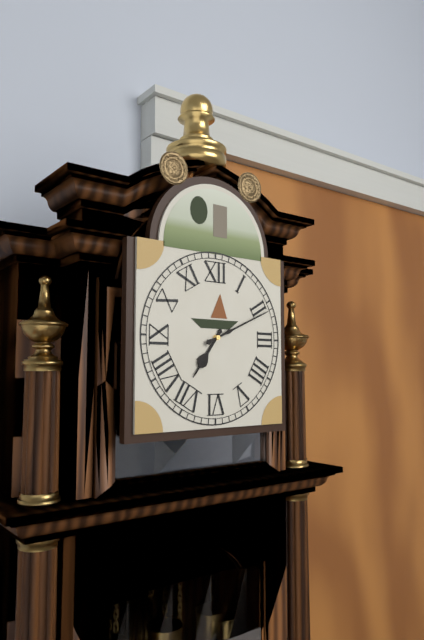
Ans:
7.11
